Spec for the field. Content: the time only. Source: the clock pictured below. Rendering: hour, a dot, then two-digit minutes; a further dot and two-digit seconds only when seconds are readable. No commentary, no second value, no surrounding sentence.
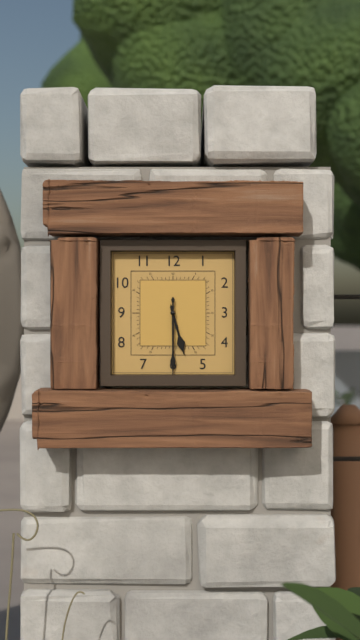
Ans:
5.30
